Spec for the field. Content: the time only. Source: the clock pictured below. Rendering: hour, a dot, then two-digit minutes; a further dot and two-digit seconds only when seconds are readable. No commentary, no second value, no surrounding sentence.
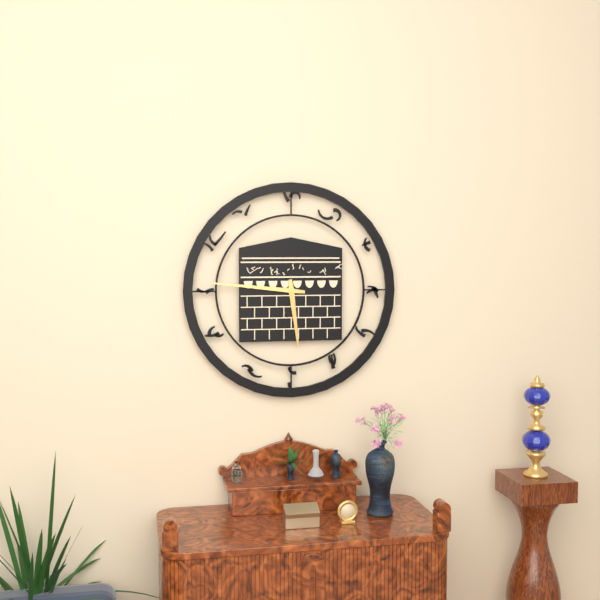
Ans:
5.46
